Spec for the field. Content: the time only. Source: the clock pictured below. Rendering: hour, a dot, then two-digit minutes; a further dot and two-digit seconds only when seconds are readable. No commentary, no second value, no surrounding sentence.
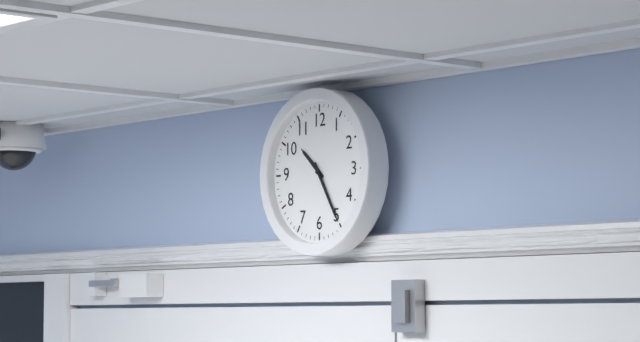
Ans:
10.25
